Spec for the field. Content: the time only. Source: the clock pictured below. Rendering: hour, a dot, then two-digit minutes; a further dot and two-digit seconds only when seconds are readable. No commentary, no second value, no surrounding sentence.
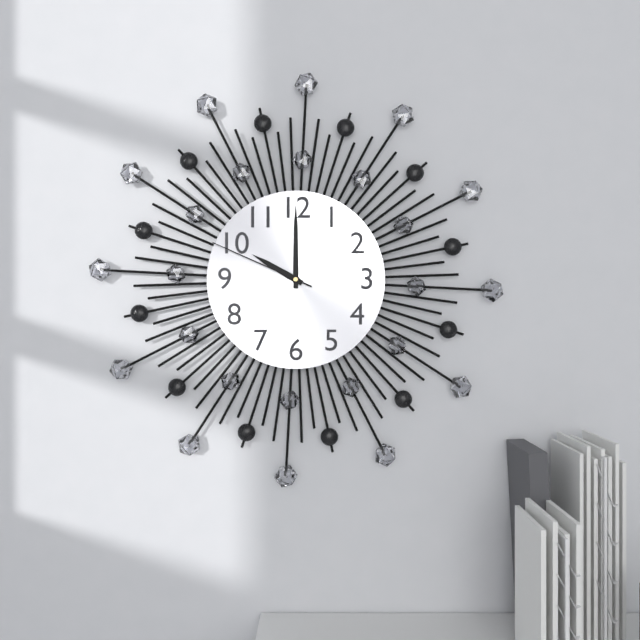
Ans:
10.00.49
